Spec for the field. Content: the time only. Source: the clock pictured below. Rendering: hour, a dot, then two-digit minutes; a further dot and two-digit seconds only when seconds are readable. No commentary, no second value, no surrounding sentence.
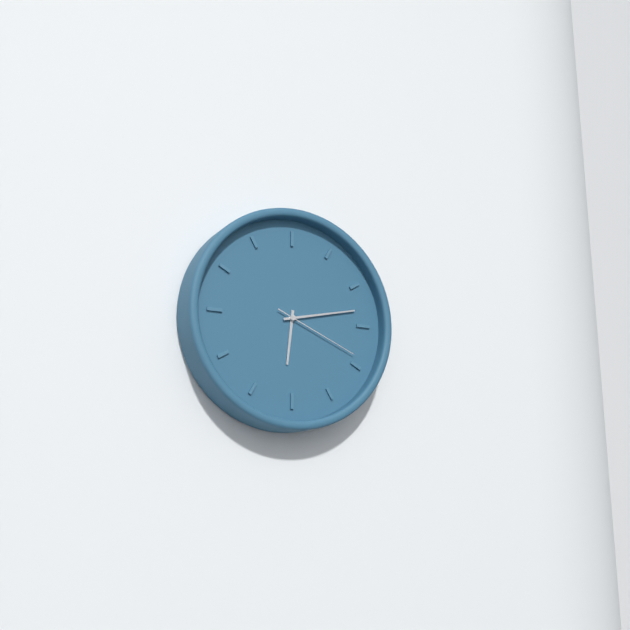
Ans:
6.13.19
